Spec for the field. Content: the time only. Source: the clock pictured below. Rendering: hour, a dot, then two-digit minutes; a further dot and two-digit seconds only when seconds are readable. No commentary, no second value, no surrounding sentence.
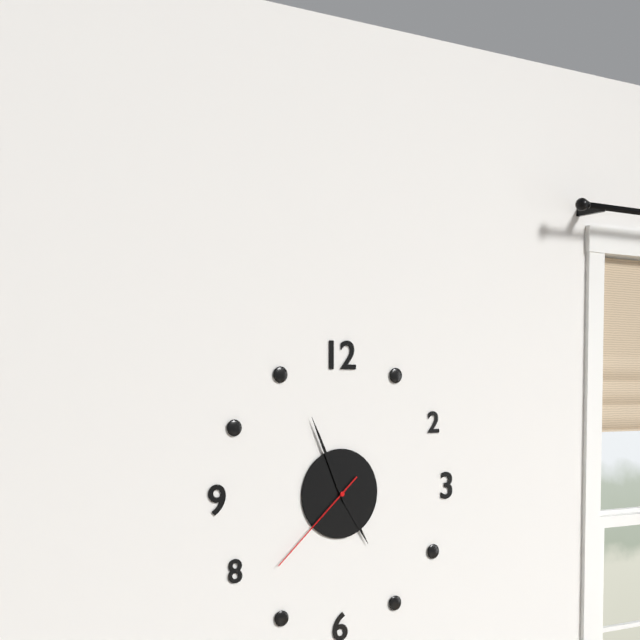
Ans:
4.56.38
